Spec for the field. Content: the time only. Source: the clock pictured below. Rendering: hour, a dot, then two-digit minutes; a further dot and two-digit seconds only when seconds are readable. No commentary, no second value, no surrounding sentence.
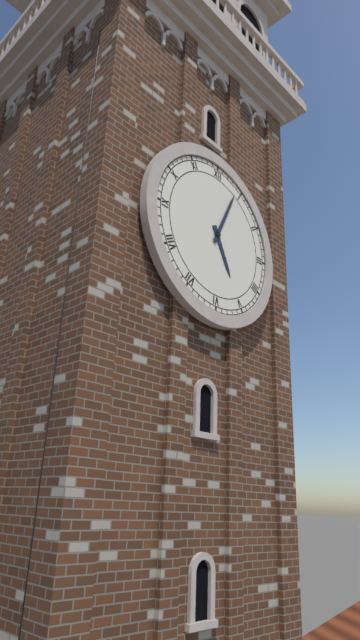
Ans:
5.04
